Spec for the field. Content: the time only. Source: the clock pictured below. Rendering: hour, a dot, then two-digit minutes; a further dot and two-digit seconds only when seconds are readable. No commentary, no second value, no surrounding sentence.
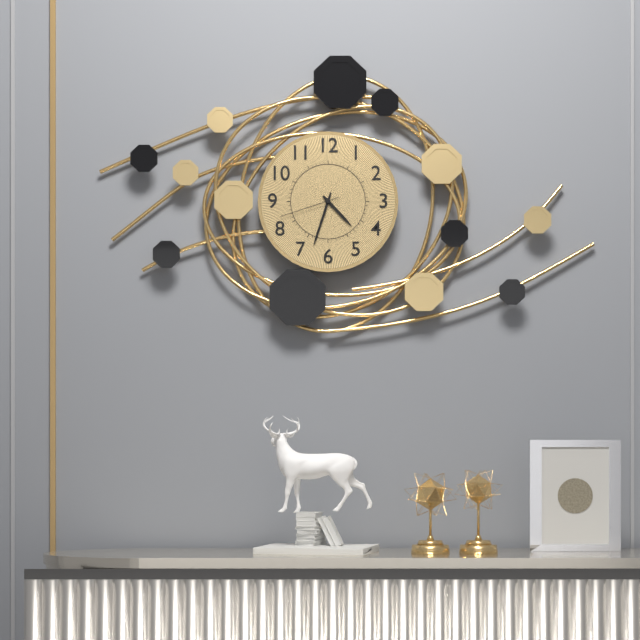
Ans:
4.33.42
